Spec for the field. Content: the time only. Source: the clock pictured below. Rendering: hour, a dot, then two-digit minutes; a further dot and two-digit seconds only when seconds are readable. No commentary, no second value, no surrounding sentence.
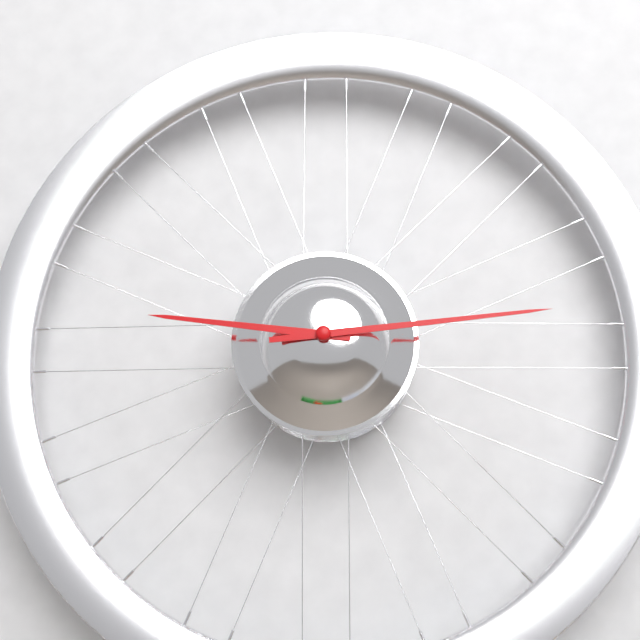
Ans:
9.14
